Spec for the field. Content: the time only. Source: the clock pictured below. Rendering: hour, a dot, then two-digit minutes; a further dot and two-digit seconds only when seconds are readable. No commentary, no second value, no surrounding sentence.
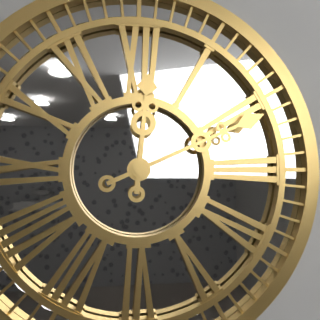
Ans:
12.11
